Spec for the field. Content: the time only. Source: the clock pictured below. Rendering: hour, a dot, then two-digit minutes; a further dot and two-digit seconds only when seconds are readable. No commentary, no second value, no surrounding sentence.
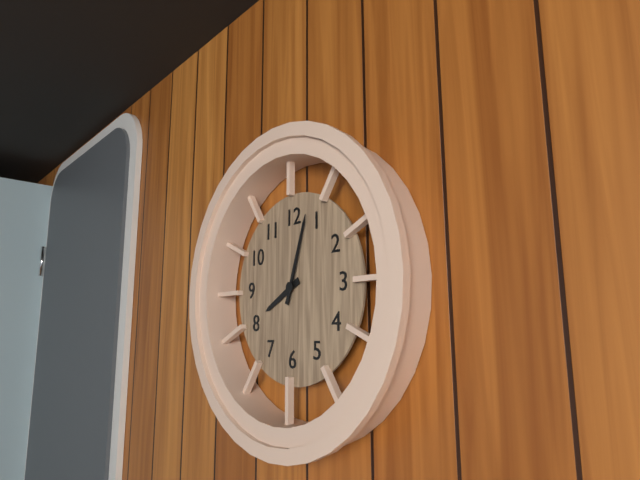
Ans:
8.03
